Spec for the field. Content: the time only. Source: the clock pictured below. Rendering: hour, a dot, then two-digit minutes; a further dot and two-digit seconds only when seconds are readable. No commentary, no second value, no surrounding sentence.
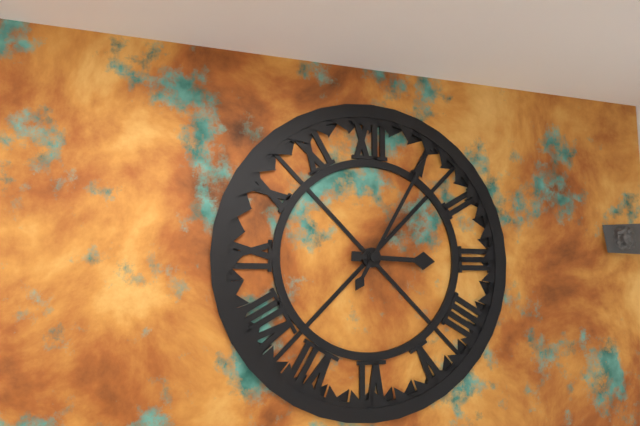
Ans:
3.05
